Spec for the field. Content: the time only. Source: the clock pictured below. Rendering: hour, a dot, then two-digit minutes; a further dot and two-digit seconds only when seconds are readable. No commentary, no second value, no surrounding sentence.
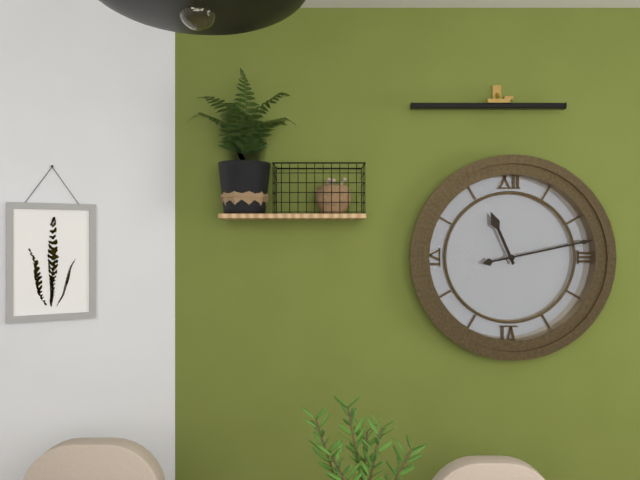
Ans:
11.13
